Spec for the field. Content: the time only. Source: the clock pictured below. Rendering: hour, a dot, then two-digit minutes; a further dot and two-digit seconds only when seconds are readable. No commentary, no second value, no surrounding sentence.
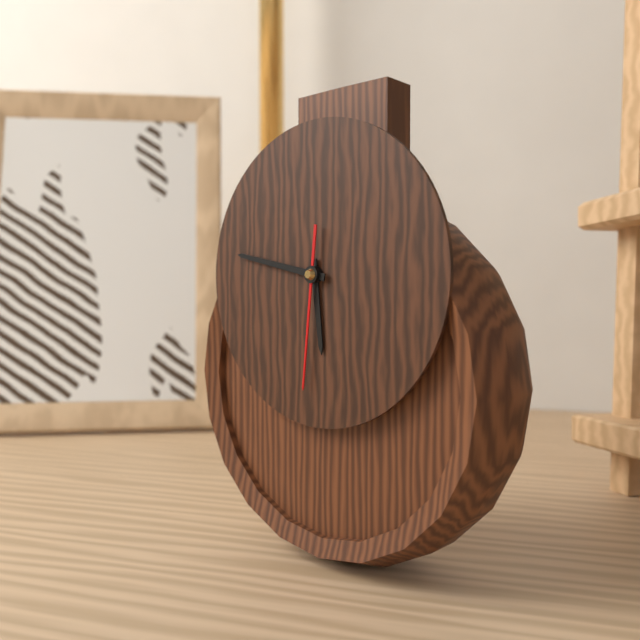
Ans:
5.47.31
